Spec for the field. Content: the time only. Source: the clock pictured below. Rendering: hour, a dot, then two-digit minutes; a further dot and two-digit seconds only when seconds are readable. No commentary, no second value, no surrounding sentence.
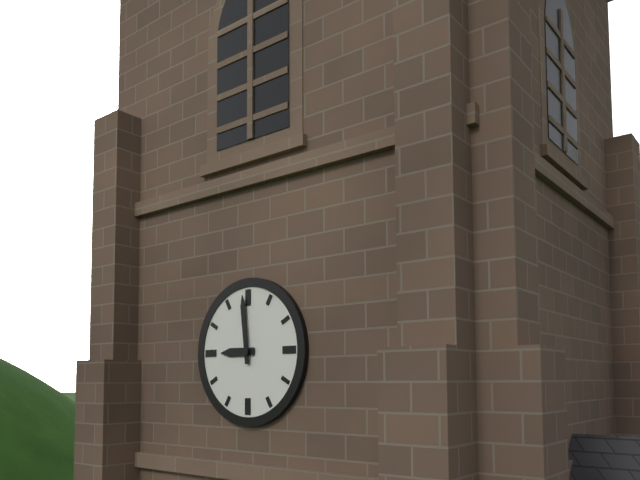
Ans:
8.59
